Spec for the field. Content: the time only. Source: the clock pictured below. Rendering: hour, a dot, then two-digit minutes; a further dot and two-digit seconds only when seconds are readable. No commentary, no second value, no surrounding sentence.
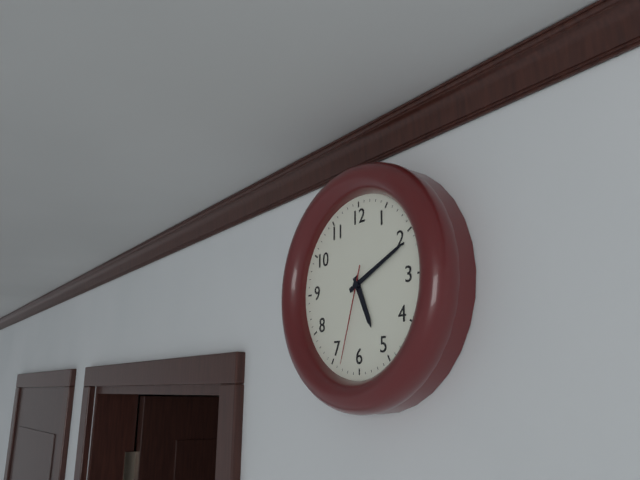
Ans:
5.11.33
